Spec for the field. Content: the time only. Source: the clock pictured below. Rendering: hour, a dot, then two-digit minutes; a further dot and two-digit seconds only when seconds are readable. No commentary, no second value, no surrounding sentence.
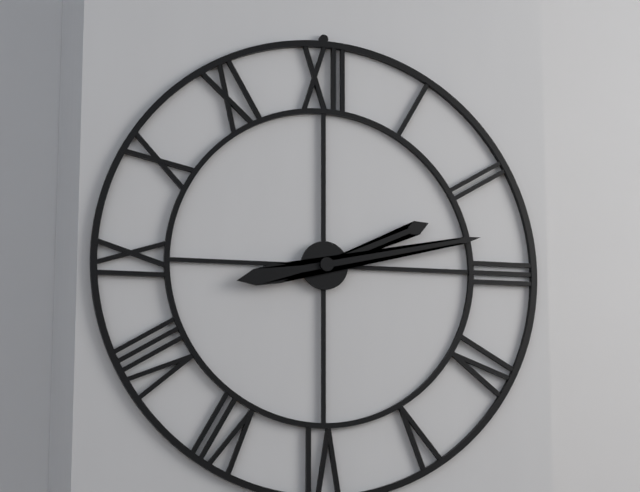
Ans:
2.13
